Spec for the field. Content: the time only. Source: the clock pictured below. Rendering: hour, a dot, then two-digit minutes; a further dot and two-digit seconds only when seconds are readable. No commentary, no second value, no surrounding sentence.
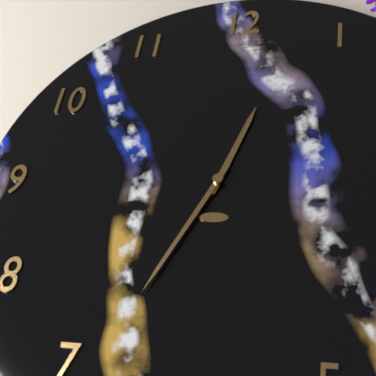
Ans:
12.34
